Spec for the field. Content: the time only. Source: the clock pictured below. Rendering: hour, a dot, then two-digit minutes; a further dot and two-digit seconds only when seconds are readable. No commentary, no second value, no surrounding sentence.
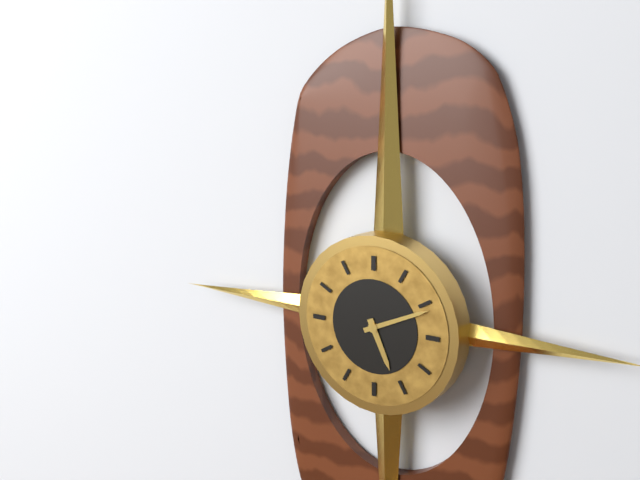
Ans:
5.11
